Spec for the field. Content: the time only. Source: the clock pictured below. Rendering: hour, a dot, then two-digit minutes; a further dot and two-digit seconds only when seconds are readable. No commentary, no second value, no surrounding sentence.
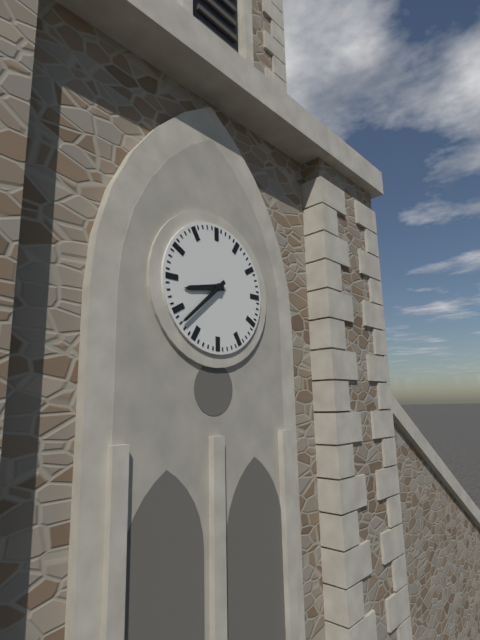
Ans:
8.38
